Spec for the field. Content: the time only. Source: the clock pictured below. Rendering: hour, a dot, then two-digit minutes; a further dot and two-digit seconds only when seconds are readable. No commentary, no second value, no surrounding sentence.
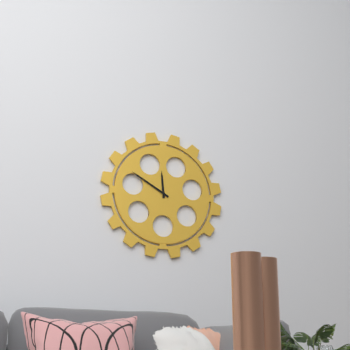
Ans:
11.50
